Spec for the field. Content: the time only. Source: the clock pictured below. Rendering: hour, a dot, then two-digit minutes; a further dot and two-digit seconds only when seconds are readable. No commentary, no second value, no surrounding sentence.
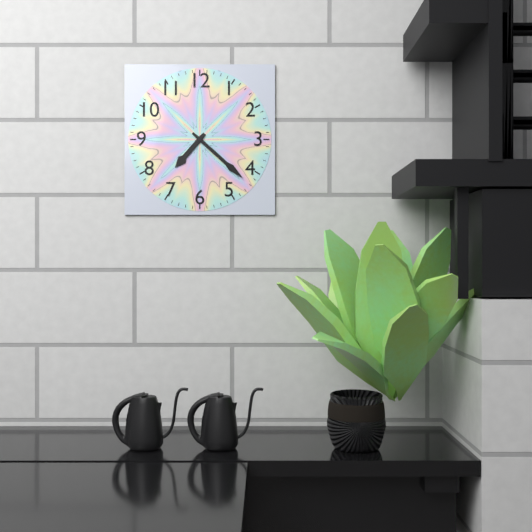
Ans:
7.22
